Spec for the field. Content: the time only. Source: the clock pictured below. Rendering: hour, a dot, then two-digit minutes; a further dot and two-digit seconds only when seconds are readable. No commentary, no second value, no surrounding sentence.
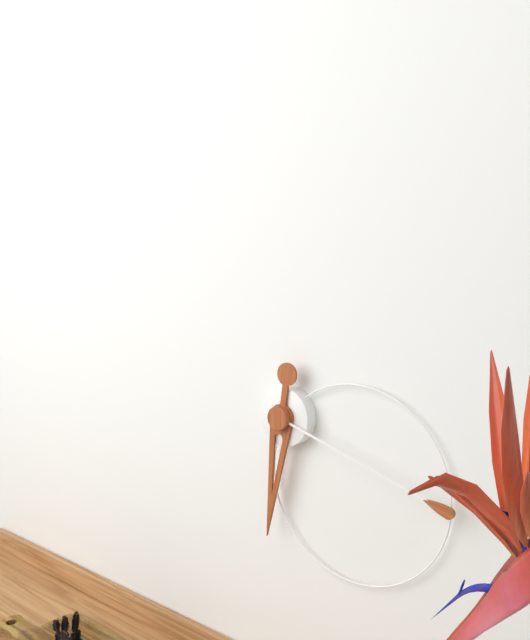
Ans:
6.18
